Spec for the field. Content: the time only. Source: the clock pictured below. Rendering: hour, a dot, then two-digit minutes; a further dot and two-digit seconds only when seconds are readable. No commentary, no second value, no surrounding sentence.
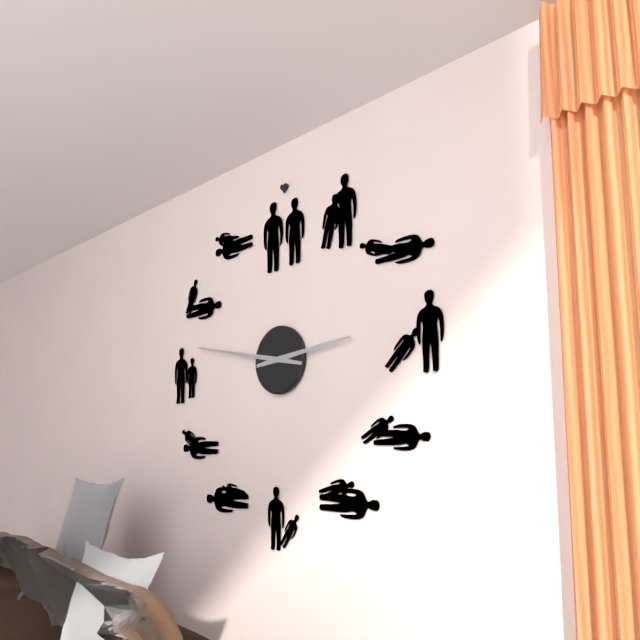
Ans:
2.47
